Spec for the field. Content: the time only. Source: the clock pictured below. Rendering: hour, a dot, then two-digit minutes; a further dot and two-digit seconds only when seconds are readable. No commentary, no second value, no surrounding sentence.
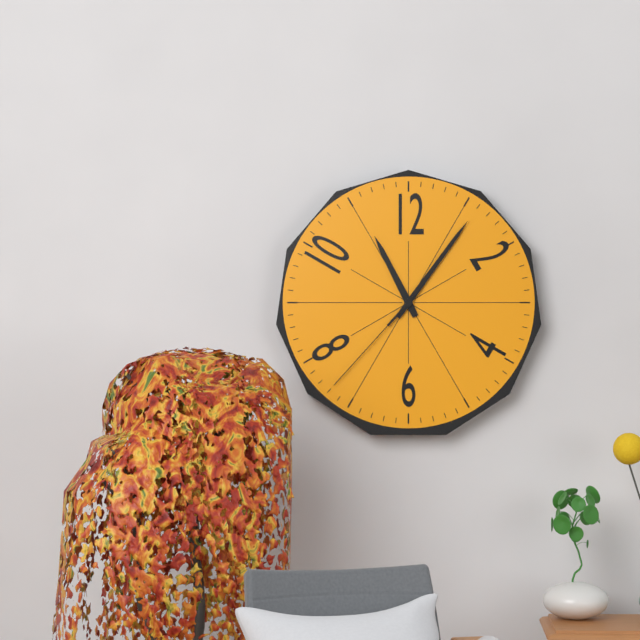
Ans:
11.06.37
